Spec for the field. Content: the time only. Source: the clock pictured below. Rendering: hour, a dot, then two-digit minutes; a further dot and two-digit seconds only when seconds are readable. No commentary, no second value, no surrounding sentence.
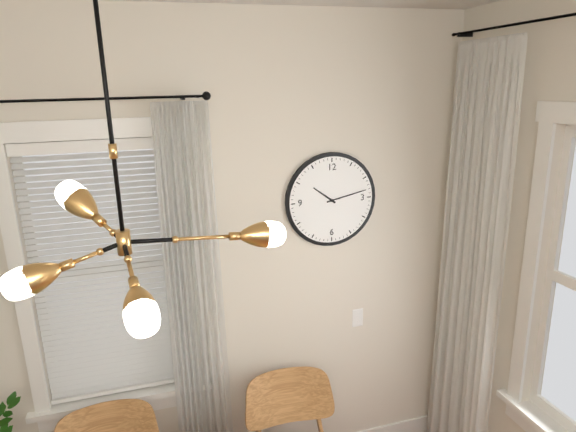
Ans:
10.13
